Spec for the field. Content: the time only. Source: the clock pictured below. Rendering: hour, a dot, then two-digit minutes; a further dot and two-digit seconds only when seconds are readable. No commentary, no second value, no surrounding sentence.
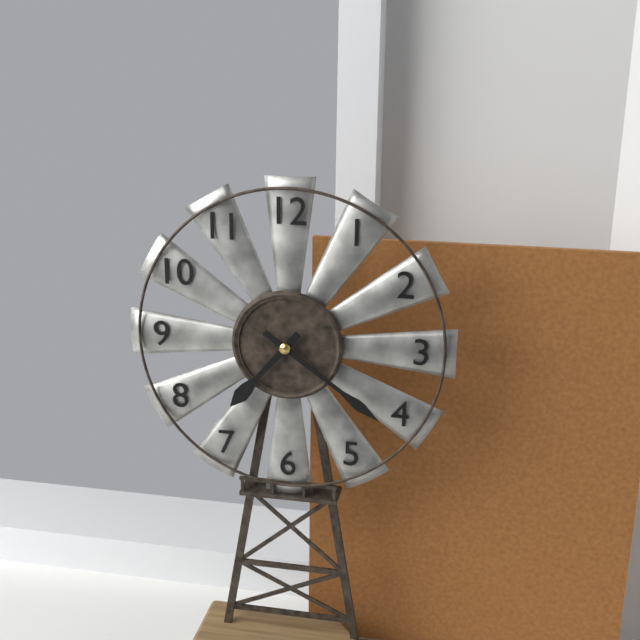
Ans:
7.21
